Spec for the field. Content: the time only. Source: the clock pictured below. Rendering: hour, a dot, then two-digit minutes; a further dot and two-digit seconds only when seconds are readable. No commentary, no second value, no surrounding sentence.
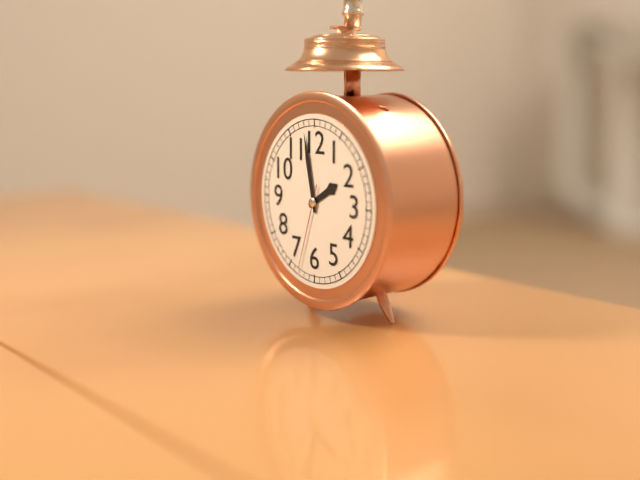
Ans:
1.58.33
